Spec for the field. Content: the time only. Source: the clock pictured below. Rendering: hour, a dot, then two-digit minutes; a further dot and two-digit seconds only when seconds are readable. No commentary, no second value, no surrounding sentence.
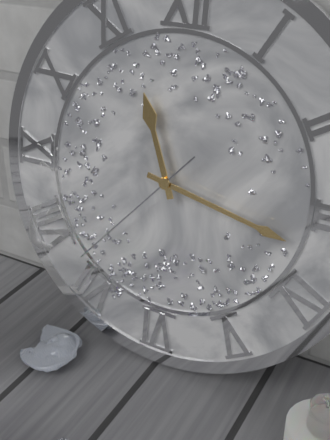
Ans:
11.17.37
